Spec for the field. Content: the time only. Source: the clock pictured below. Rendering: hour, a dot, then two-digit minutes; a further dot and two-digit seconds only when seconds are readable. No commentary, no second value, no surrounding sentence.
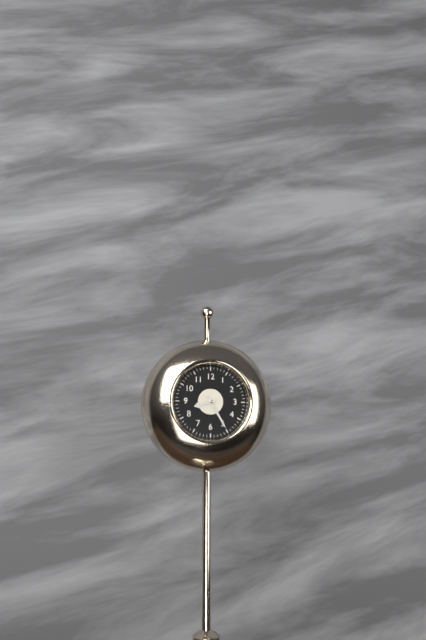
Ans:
8.25
